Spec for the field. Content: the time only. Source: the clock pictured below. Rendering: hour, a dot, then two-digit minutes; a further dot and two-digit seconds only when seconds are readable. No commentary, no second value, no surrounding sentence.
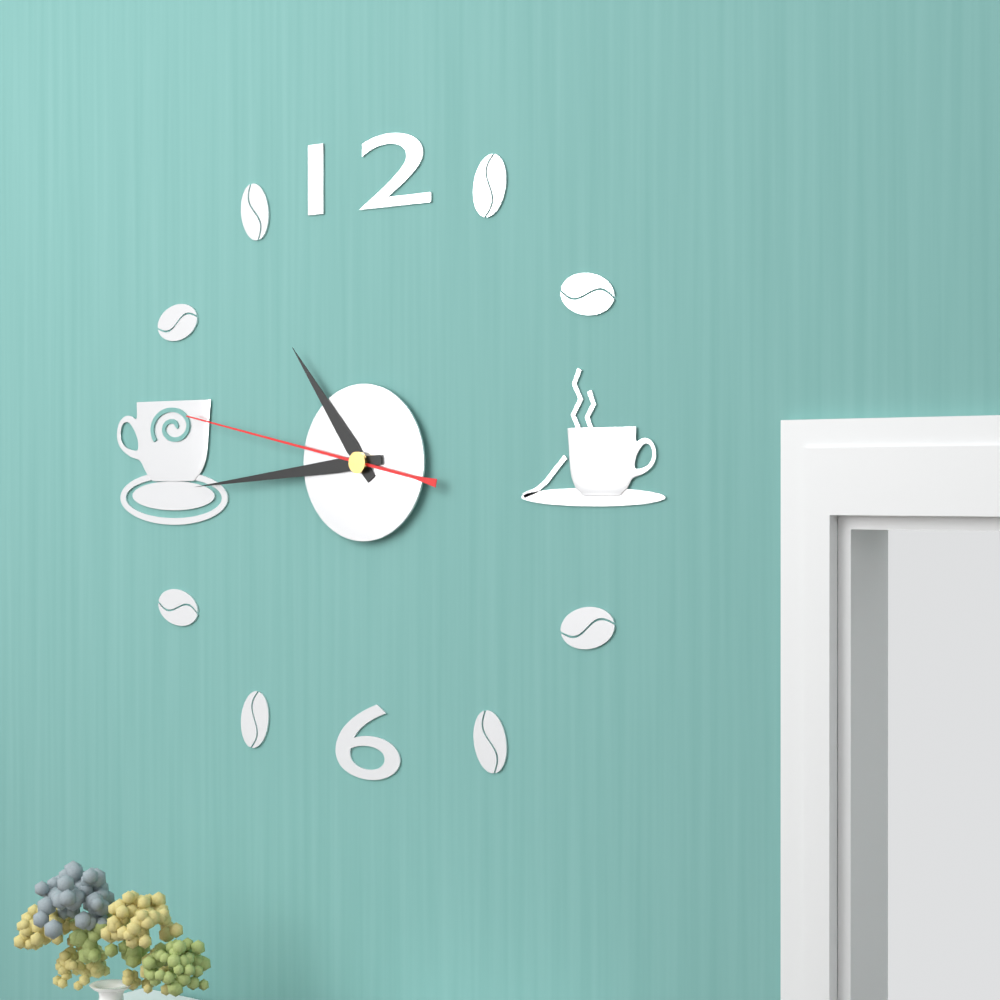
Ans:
10.44.47
